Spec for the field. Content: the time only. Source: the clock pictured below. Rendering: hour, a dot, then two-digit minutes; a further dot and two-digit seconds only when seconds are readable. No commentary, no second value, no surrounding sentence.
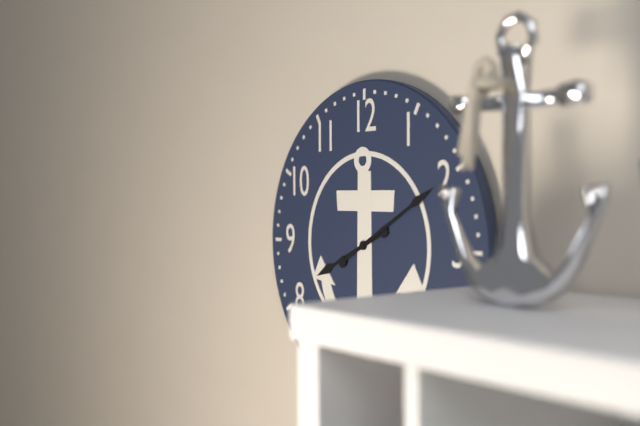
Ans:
8.10
